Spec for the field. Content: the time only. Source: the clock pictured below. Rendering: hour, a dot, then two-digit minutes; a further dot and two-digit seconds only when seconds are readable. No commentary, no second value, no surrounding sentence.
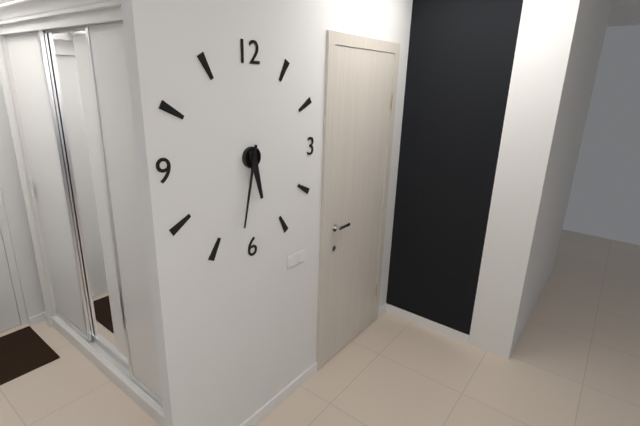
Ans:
5.32
